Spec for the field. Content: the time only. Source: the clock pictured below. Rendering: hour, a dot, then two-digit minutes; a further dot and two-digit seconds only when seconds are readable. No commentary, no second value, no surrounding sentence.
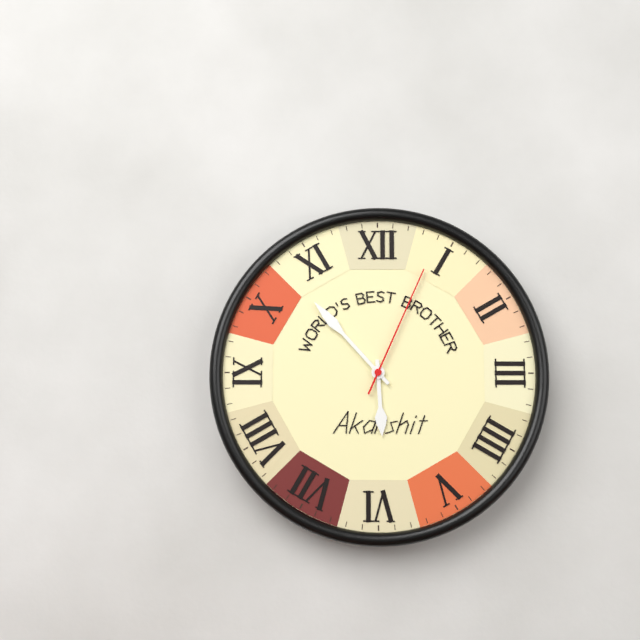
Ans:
5.53.04
